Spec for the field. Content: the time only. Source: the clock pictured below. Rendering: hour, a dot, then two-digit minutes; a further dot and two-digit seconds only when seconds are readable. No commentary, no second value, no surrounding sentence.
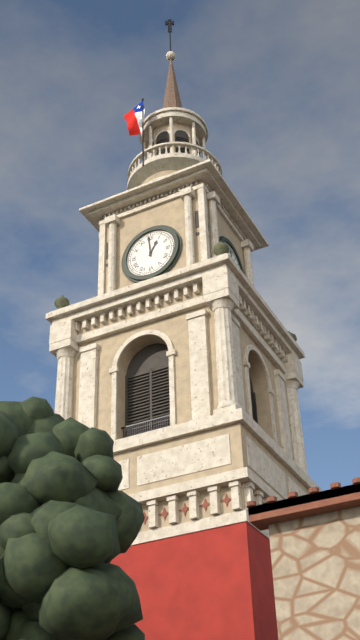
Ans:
12.59
